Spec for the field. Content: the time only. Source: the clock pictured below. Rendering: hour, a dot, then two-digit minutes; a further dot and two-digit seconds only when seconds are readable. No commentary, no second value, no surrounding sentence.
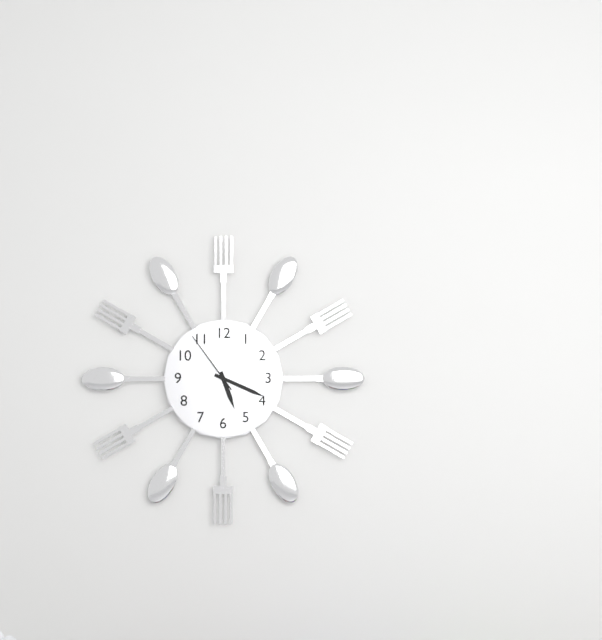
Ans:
5.19.54
